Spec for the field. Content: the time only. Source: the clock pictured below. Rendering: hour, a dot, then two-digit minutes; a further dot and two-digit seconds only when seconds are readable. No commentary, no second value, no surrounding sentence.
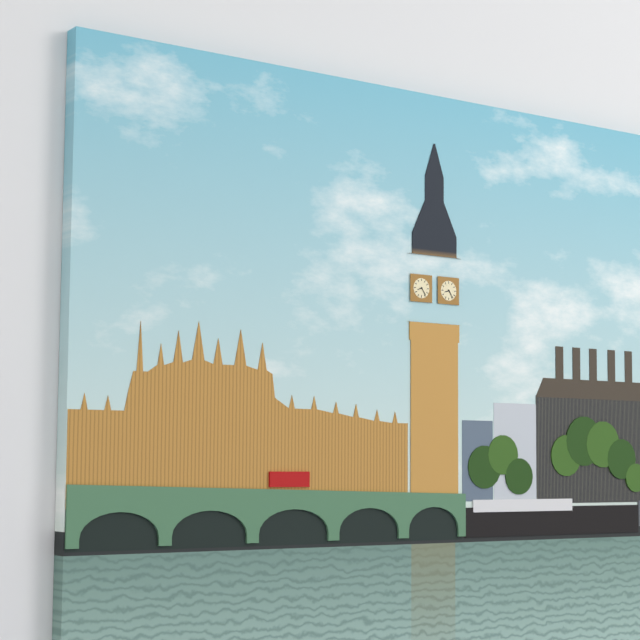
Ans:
8.24
